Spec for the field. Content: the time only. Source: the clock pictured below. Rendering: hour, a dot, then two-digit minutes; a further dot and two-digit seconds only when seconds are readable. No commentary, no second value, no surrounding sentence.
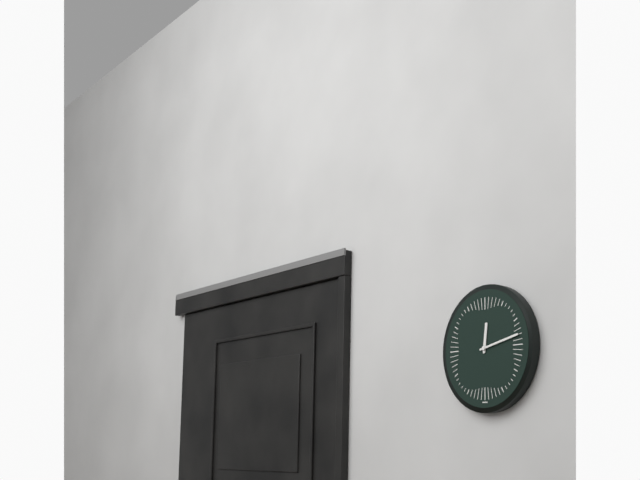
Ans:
12.13
